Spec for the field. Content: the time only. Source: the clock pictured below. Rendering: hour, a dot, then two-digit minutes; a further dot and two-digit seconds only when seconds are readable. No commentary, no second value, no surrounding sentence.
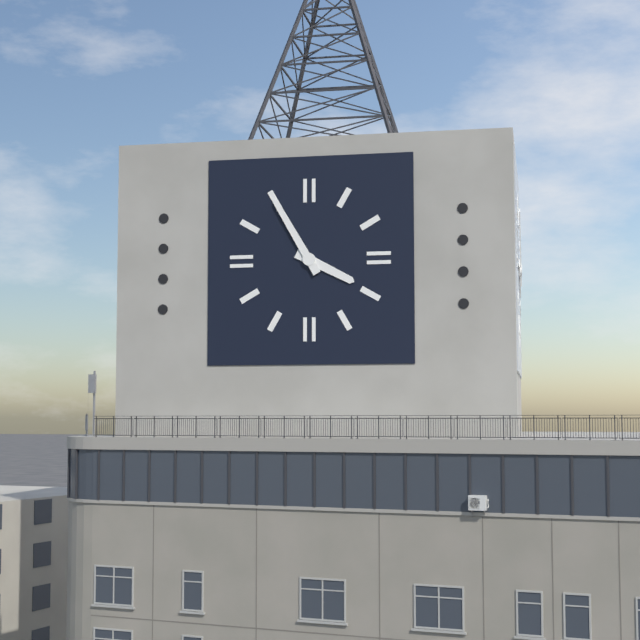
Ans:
3.55
